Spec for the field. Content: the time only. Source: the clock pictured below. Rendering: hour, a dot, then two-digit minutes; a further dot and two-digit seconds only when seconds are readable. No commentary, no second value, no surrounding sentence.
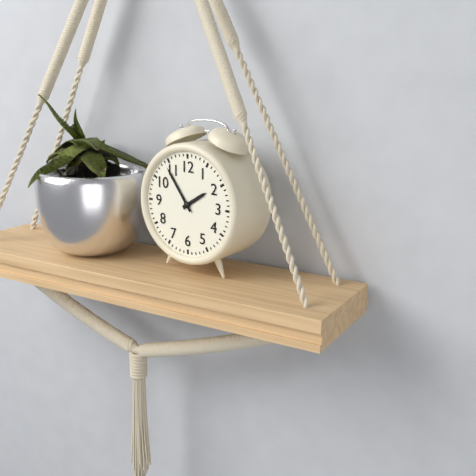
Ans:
1.54
